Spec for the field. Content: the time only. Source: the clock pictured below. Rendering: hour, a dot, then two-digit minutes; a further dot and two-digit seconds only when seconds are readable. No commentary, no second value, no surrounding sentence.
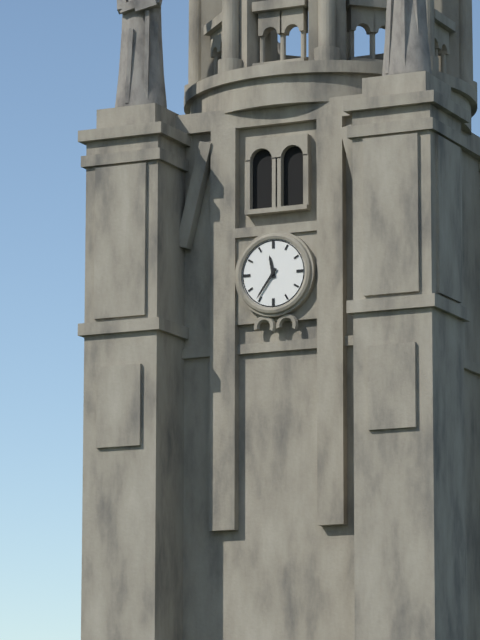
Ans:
11.36
